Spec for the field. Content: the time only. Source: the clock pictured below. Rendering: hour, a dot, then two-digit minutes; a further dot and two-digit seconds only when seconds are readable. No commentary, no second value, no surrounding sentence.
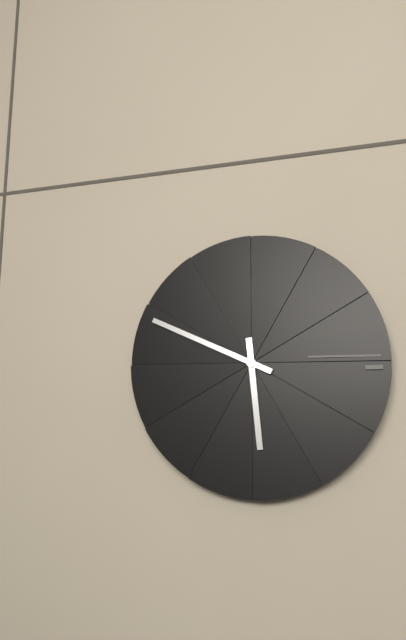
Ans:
5.49
